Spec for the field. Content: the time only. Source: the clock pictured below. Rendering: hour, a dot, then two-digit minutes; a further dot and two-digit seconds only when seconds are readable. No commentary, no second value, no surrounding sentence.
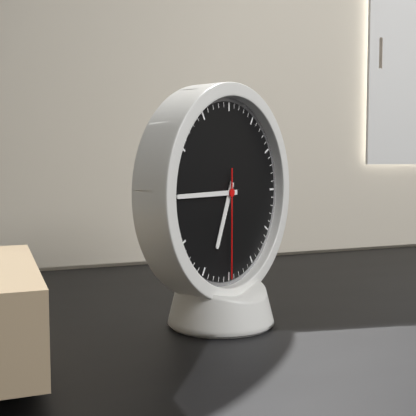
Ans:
6.45.30
